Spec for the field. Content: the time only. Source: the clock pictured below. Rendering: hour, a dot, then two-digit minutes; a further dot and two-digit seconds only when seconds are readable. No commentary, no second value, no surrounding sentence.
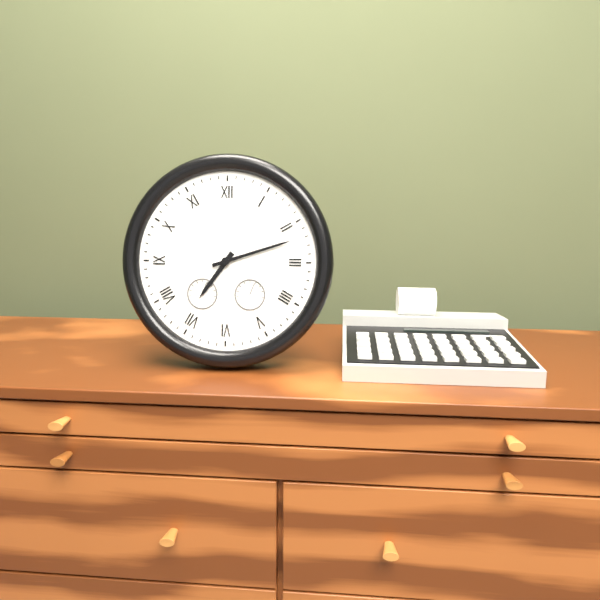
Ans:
7.12
